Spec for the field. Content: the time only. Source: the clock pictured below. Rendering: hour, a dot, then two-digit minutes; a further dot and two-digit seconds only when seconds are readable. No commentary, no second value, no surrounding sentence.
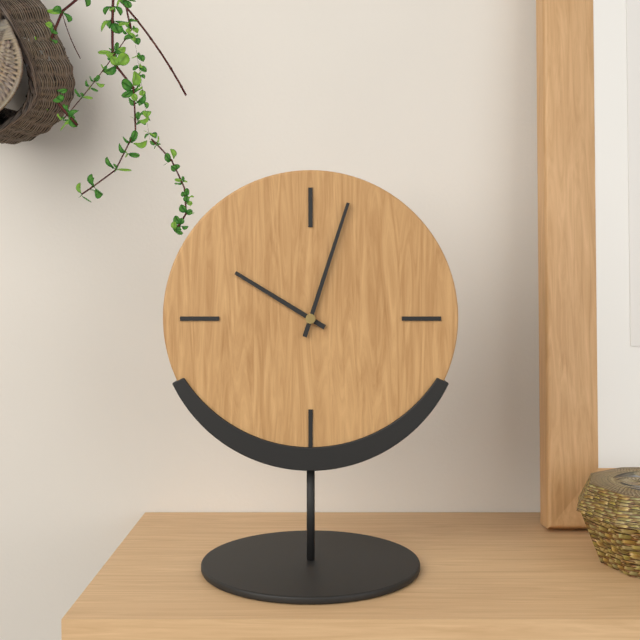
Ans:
10.03
